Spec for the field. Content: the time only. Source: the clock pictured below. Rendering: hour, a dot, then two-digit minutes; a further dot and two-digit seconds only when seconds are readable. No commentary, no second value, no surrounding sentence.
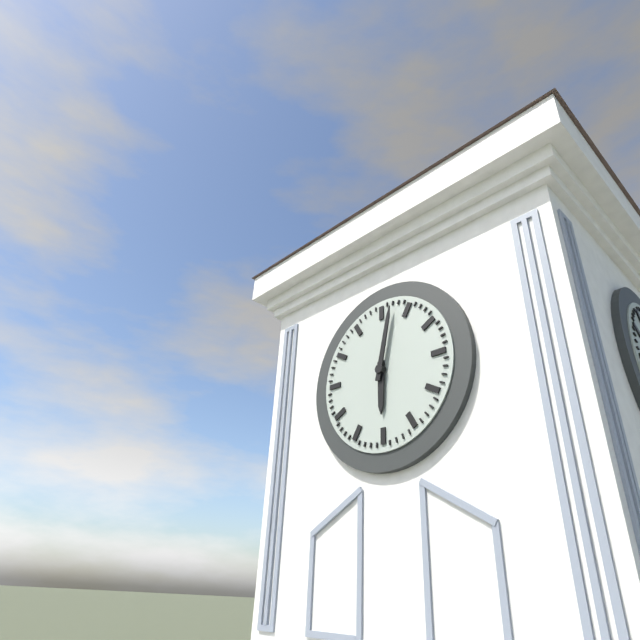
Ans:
6.02
